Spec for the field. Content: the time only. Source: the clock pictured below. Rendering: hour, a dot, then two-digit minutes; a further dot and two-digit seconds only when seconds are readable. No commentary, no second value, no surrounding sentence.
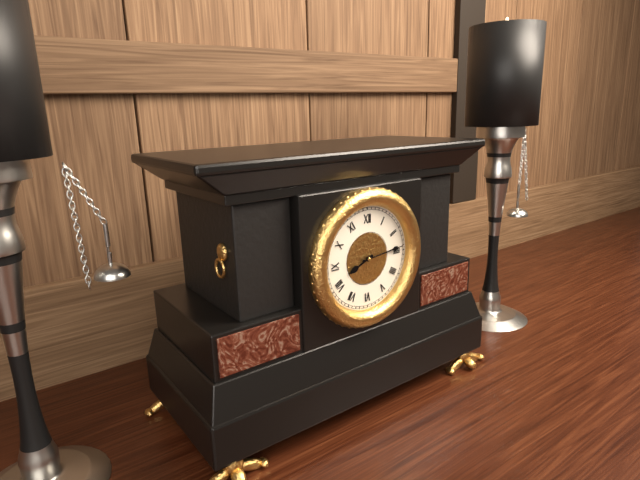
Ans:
8.14
